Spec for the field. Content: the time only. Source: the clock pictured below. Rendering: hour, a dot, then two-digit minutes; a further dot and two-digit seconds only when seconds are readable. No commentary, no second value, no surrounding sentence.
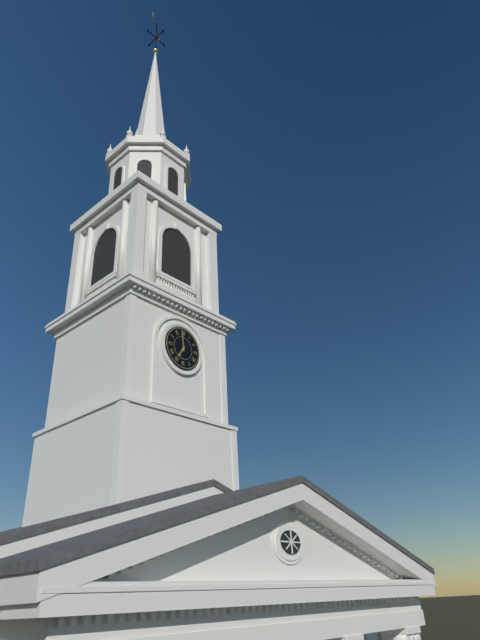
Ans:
6.59
